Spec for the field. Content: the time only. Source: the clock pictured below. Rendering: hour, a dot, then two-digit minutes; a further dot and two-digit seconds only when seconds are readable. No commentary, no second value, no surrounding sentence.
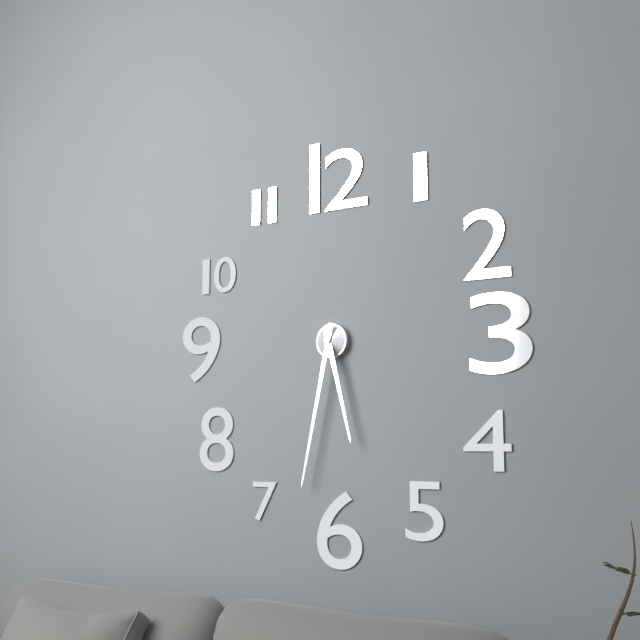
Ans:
5.32
